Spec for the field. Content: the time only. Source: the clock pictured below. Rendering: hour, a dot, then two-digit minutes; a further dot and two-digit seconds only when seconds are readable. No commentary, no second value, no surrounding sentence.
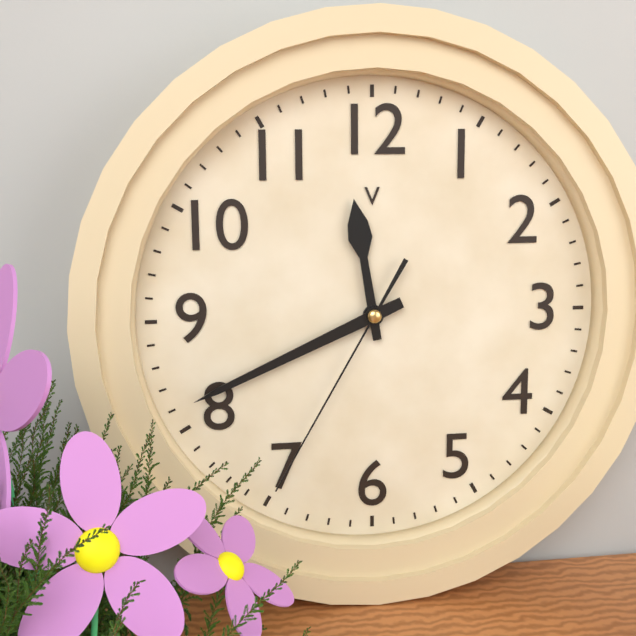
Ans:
11.41.35
